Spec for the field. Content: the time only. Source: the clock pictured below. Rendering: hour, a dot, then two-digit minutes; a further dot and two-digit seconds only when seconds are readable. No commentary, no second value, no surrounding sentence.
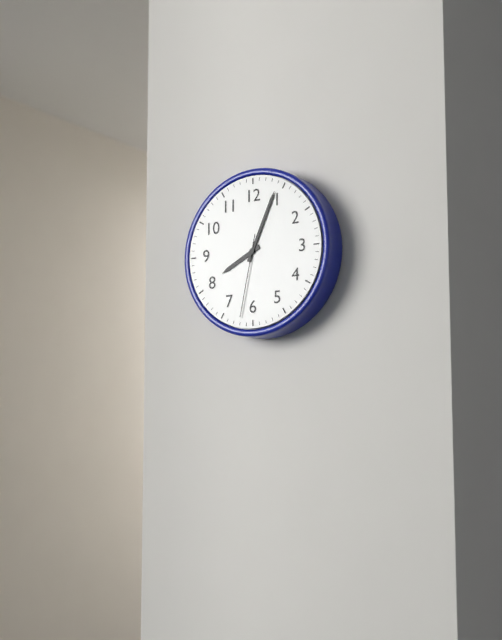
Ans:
8.04.32
